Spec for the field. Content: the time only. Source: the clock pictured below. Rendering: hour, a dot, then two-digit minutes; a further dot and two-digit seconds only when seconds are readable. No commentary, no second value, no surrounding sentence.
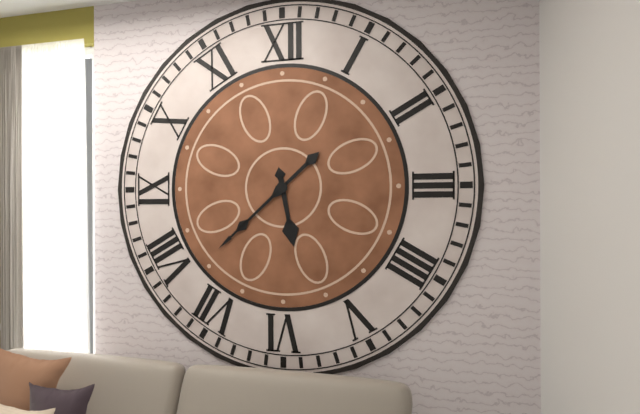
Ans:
5.38
